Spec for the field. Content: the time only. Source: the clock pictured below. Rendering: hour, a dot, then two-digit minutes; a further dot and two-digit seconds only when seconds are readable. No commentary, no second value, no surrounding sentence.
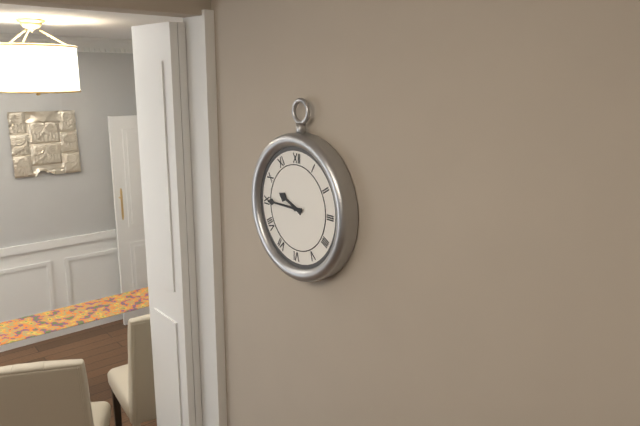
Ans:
9.45
